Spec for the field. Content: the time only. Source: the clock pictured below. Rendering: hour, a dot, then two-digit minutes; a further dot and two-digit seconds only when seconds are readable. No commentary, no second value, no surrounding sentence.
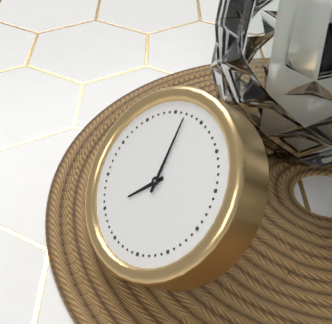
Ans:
6.57
